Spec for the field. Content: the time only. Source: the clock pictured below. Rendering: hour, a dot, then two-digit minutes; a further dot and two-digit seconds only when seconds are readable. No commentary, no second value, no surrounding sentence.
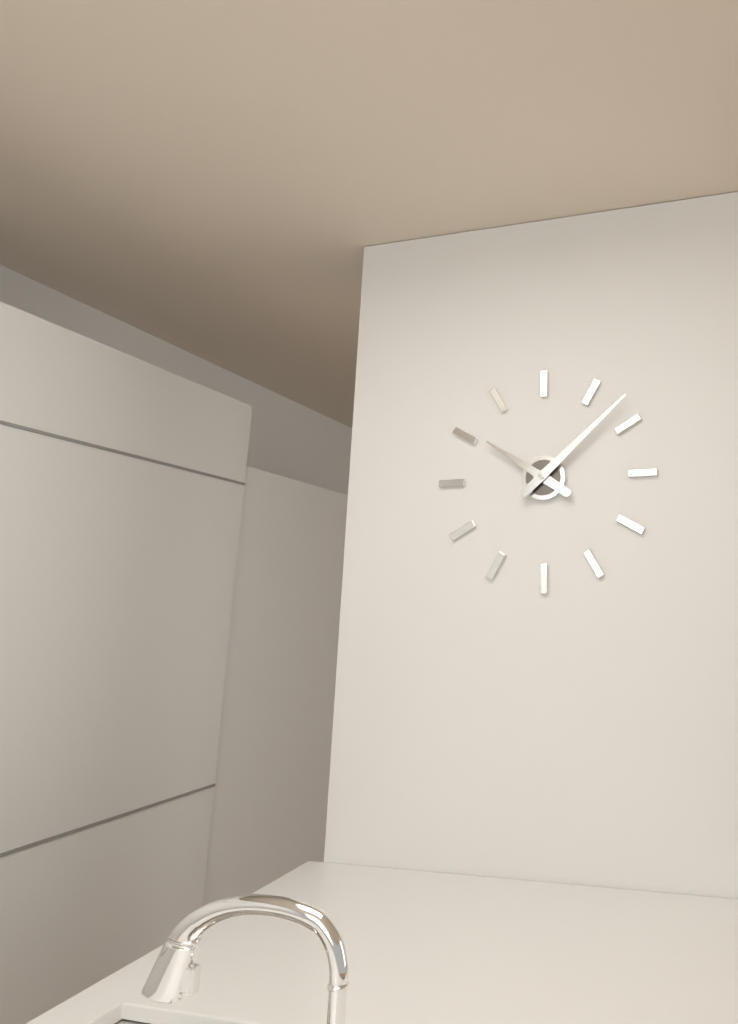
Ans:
10.08
